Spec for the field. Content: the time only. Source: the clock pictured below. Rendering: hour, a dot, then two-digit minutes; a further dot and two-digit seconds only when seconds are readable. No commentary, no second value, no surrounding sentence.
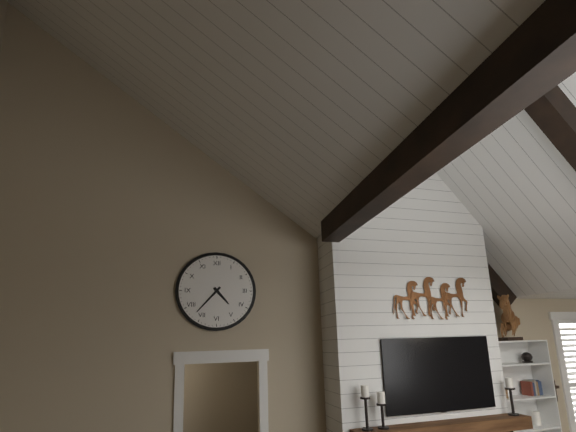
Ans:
4.37
